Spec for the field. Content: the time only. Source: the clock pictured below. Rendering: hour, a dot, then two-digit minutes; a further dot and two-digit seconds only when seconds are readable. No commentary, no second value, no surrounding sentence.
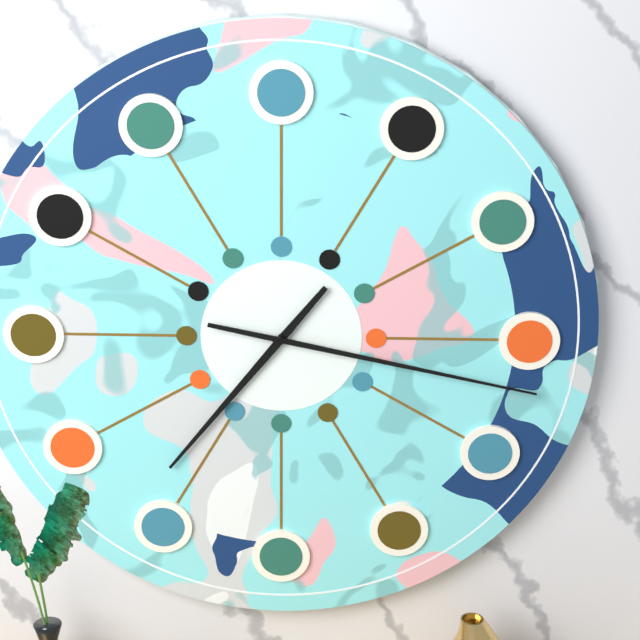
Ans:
7.17
